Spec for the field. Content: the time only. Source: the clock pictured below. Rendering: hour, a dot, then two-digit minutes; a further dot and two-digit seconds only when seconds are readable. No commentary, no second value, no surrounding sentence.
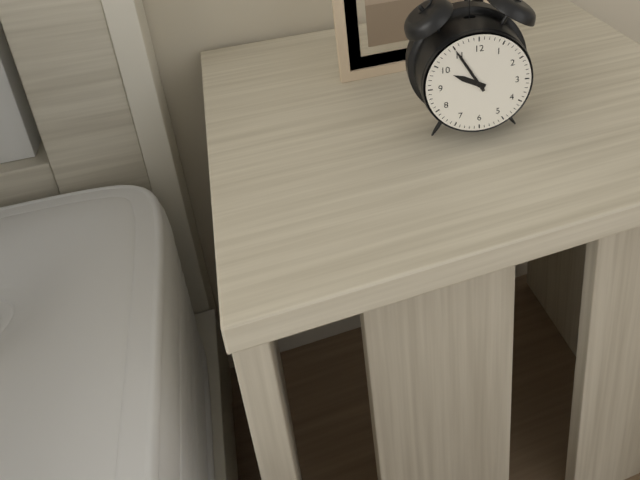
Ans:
9.55
